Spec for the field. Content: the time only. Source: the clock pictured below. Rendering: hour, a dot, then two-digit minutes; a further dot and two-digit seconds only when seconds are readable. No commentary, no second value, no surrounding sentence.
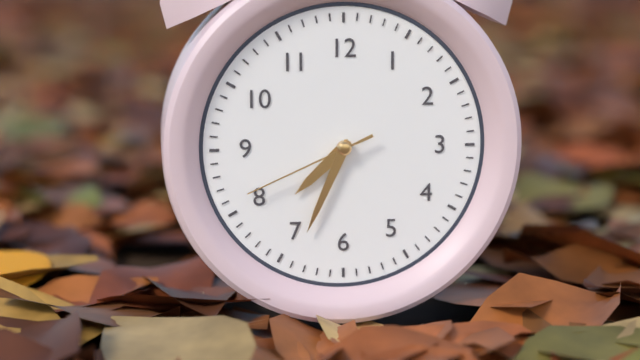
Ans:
7.34.41
